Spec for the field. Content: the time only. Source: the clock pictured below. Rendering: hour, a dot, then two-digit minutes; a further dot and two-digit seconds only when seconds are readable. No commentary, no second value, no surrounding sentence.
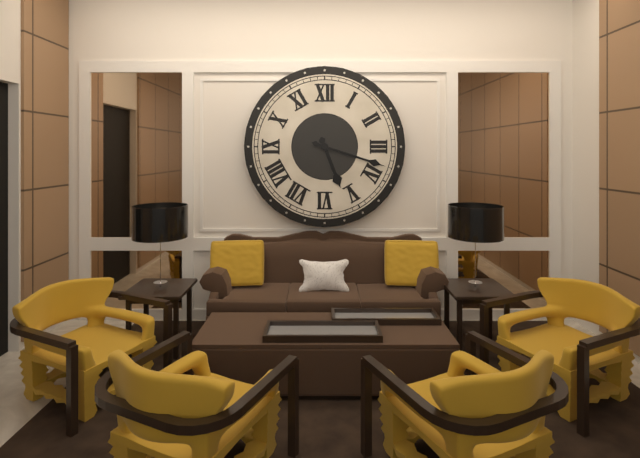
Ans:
5.18
